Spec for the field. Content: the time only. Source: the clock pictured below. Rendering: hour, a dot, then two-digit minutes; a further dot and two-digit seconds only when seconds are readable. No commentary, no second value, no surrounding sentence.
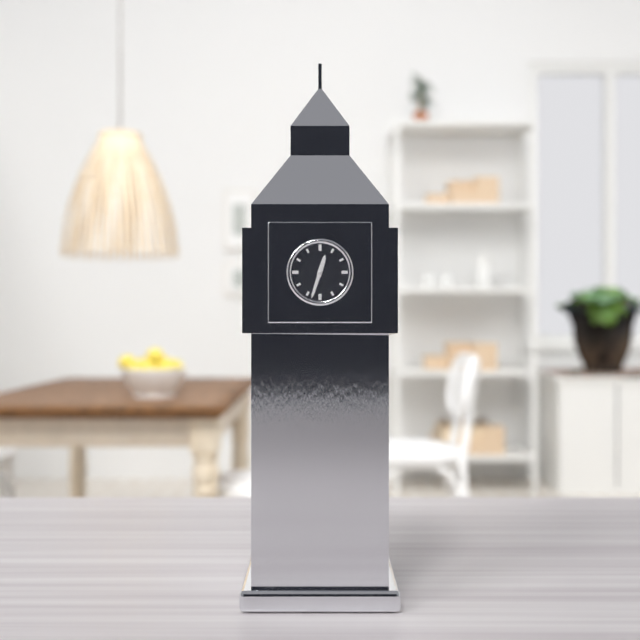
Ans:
12.33
